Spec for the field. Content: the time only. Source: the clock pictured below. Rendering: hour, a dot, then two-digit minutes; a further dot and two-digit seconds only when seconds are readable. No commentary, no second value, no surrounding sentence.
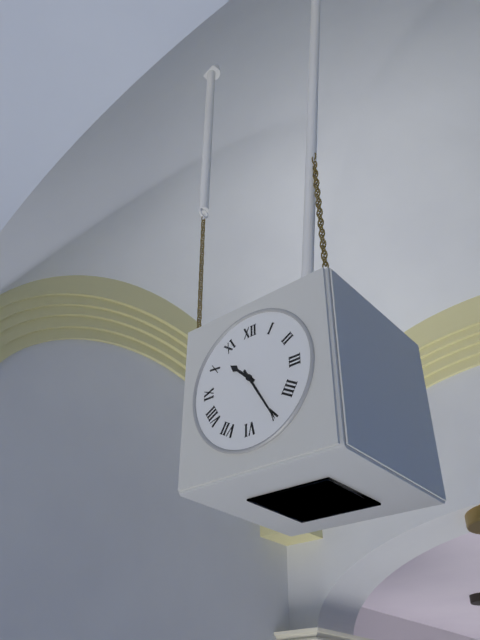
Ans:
10.25
